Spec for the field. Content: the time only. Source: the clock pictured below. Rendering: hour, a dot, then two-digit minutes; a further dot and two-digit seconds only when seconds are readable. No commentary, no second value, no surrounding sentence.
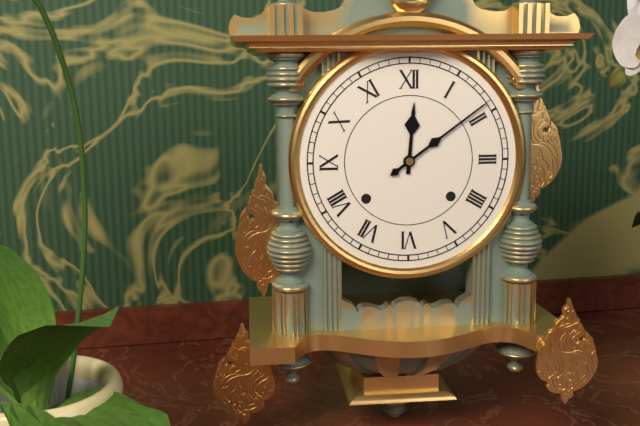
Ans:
12.09
